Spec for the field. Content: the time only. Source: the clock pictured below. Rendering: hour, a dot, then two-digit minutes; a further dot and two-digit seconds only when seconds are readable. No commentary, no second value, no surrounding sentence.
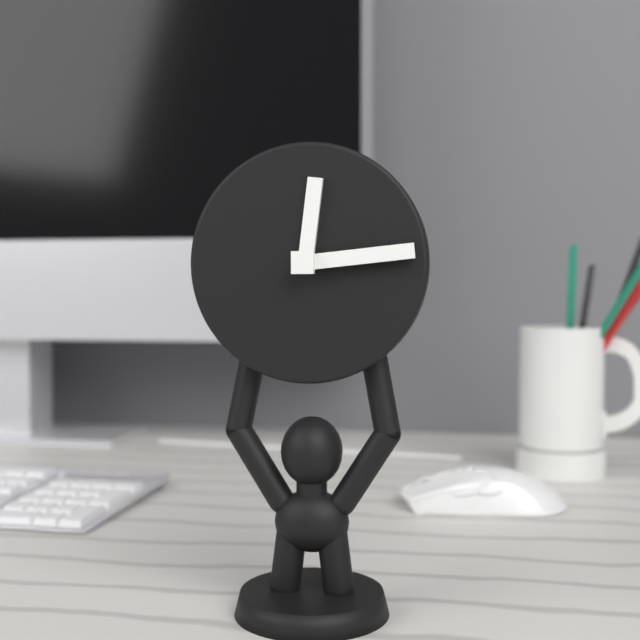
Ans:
12.14
